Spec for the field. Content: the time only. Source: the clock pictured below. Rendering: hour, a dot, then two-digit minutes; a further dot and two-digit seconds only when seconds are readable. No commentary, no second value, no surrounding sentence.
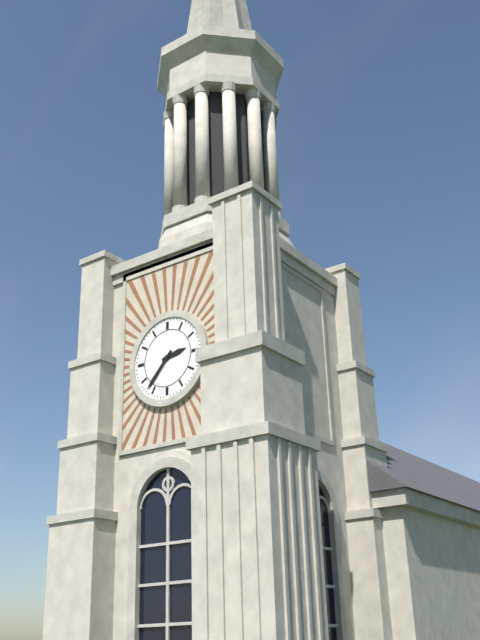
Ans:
2.37
